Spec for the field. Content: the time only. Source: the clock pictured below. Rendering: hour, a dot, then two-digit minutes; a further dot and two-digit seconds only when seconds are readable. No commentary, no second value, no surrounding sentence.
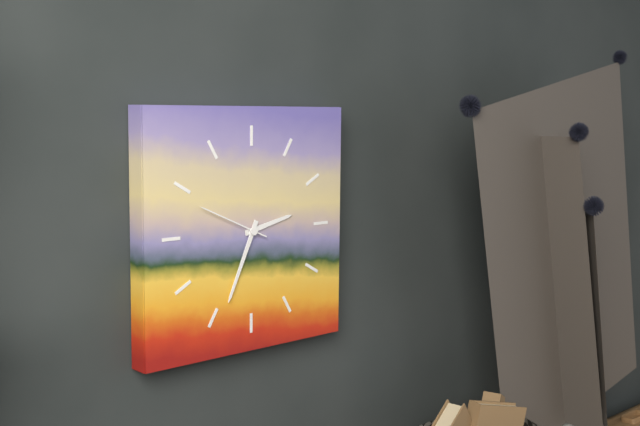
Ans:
2.34.49
